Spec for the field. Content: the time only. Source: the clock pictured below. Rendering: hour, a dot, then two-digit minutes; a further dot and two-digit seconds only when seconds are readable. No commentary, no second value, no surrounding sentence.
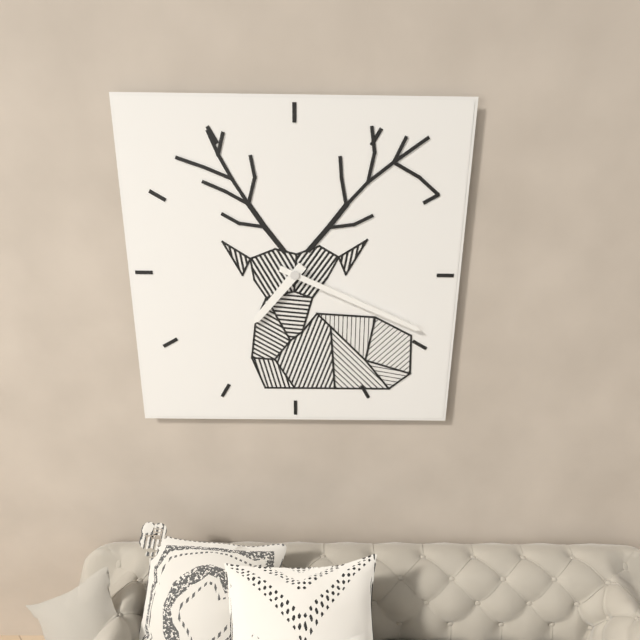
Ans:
7.19
